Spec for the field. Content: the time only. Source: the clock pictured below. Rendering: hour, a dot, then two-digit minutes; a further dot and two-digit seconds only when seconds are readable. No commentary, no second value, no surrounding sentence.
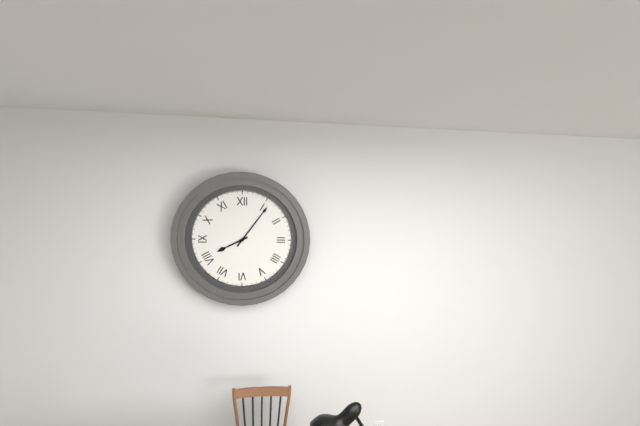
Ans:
8.06
